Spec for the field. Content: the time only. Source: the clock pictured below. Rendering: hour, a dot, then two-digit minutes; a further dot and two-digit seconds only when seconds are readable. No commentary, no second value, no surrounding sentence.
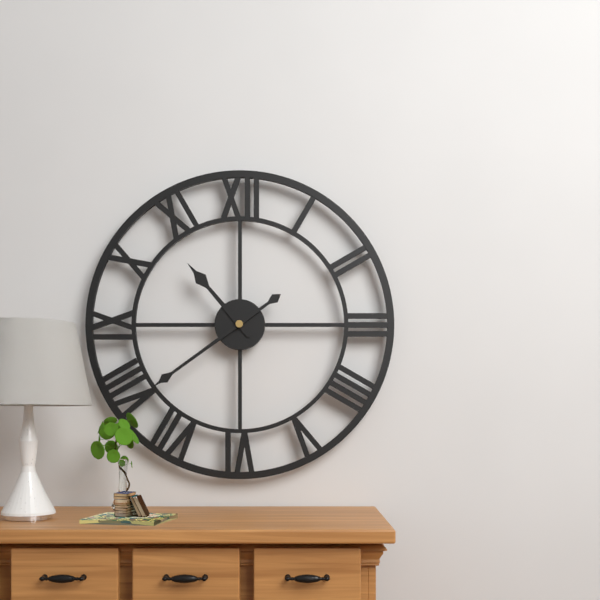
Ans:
10.39
